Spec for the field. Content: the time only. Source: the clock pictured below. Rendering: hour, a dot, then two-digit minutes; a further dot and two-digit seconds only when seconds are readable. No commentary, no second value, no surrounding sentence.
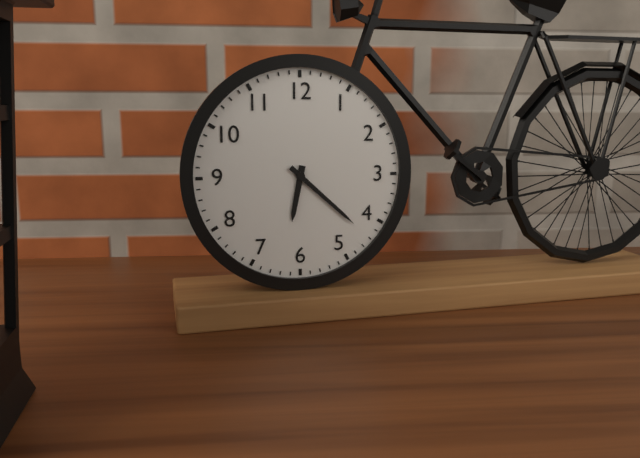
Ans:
6.22
